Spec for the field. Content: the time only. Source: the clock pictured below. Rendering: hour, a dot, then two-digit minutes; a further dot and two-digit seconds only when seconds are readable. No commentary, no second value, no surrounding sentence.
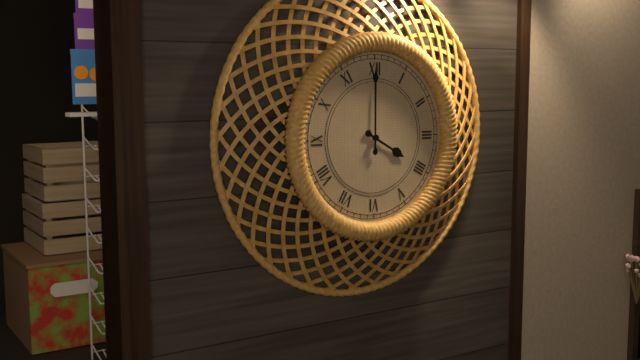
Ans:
4.00
